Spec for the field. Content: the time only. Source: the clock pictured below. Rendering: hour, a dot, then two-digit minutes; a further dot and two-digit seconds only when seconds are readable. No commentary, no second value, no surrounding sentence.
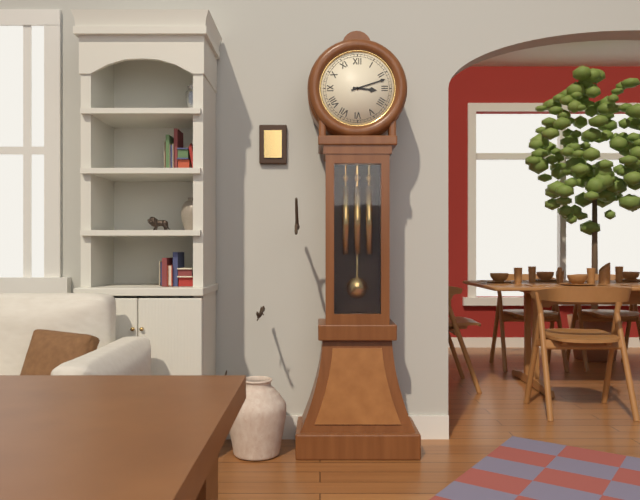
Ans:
3.12
